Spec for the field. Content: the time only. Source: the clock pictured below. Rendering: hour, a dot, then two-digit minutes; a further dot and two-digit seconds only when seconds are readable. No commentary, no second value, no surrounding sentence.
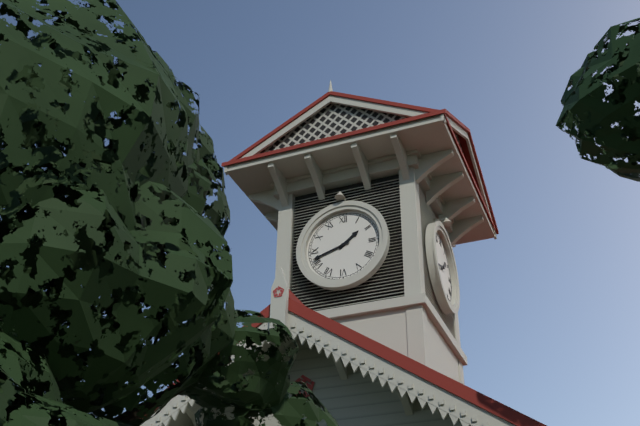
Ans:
1.42
